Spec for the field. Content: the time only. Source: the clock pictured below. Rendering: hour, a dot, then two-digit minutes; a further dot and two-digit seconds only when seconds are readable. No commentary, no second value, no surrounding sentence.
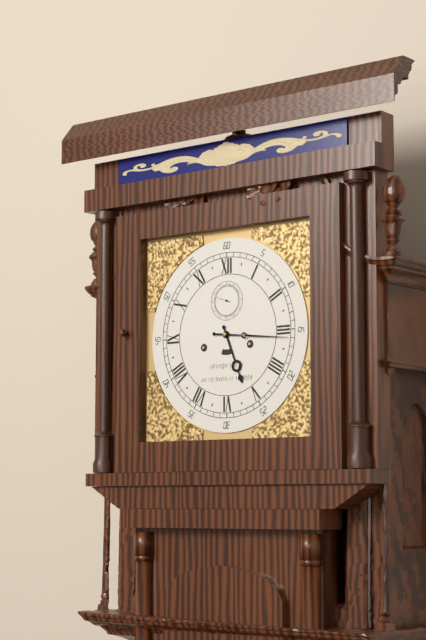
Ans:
5.16
